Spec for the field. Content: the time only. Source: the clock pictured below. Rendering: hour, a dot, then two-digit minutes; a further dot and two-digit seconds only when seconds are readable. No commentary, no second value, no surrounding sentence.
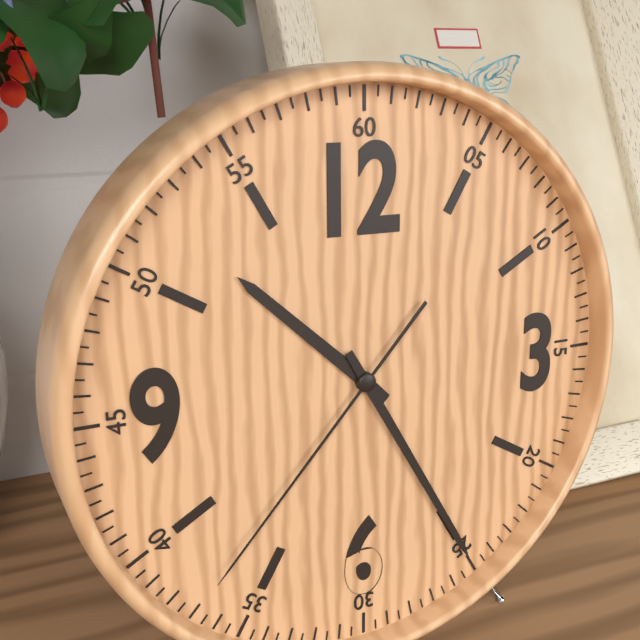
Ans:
10.25.37
